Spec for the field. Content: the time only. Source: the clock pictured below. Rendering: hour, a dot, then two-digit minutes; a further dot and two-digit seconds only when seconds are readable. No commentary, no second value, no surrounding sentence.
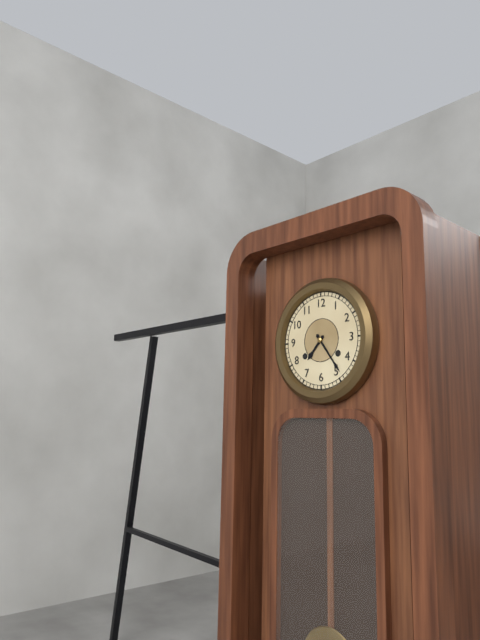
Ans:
7.24
